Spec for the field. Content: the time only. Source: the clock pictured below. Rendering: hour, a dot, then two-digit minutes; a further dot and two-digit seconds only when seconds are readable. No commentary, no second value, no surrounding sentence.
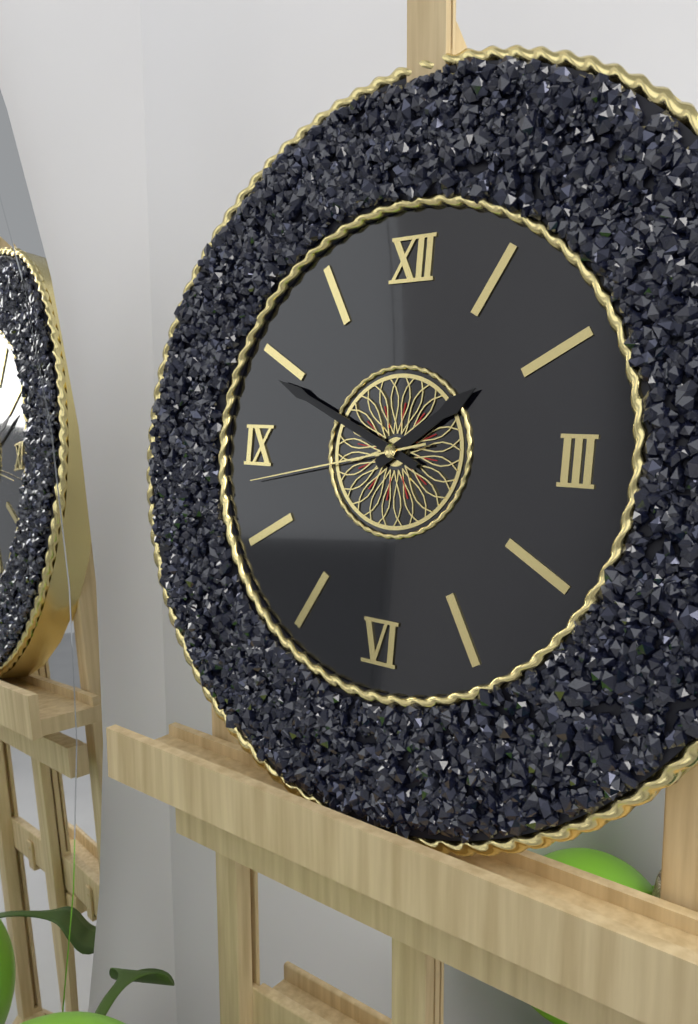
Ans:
1.49.43
